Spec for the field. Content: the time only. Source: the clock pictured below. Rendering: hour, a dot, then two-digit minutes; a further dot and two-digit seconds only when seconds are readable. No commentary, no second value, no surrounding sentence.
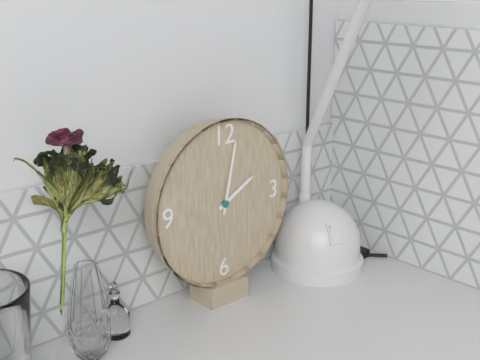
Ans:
2.02
